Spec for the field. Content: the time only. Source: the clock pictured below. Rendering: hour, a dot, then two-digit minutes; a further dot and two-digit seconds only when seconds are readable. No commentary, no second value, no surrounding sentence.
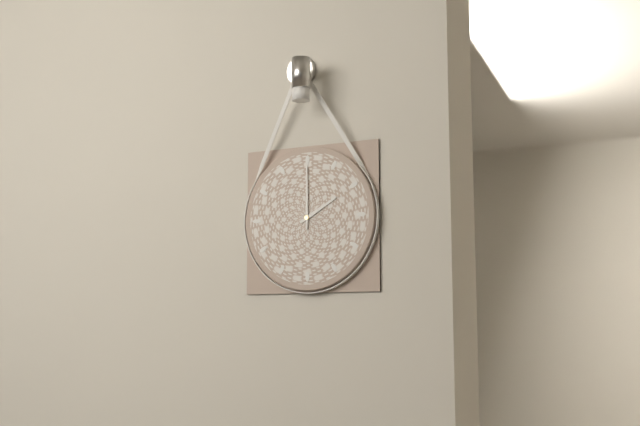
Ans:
2.00
